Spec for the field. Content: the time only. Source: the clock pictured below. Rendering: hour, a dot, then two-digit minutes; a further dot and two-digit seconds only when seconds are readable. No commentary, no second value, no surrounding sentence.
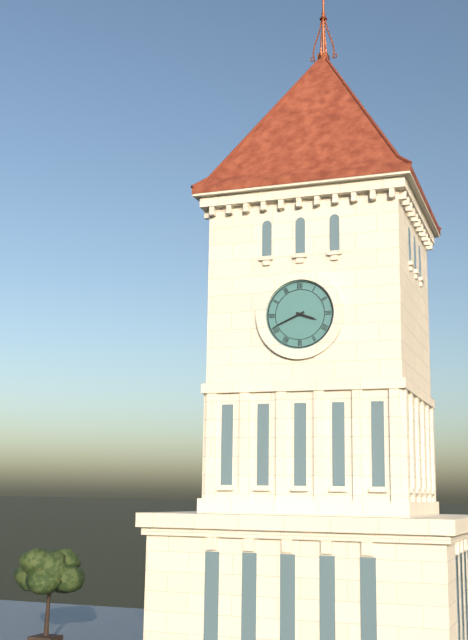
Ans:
3.41
